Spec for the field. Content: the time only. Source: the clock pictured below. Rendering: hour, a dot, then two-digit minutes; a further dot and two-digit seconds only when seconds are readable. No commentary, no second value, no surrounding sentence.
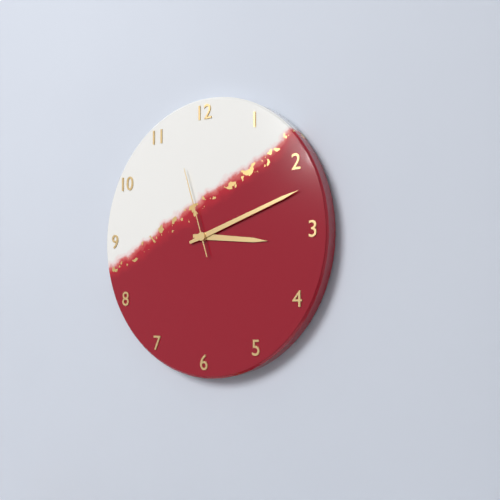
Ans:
3.12.57
